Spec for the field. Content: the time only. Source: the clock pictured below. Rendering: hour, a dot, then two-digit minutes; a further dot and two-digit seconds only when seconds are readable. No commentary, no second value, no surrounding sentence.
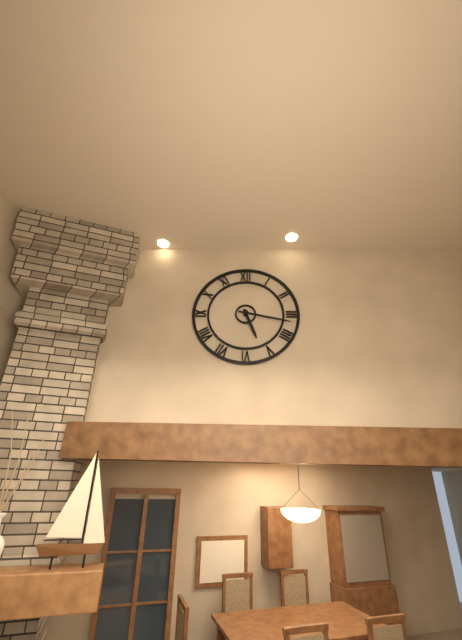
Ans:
5.17
